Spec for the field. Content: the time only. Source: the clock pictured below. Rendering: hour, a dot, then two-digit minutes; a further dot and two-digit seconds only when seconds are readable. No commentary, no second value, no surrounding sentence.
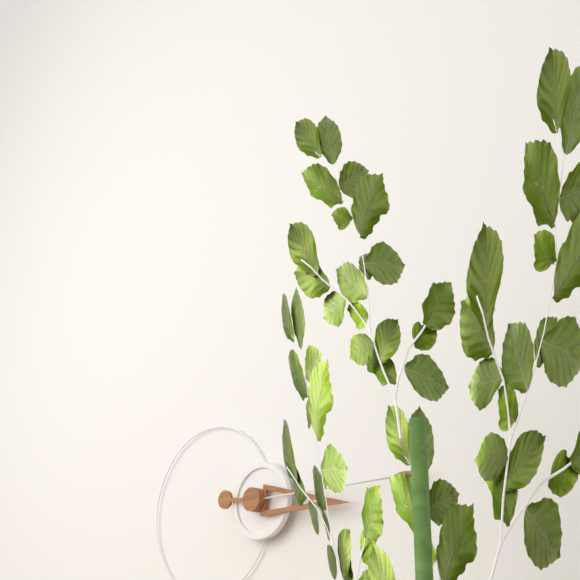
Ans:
3.15
